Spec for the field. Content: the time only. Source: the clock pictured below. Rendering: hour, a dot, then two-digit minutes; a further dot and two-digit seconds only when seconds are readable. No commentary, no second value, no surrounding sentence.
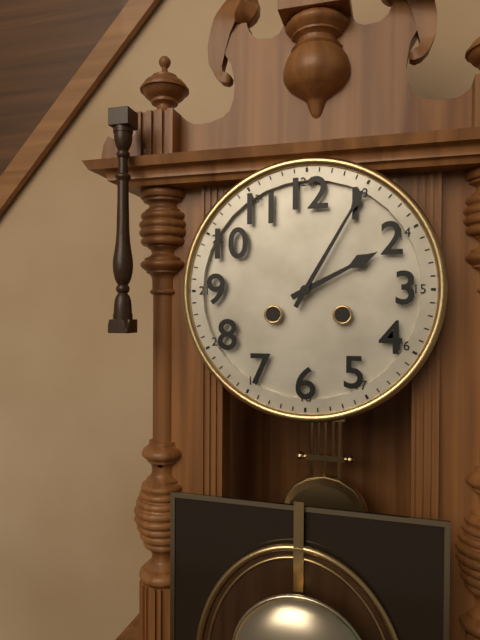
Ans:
2.05
